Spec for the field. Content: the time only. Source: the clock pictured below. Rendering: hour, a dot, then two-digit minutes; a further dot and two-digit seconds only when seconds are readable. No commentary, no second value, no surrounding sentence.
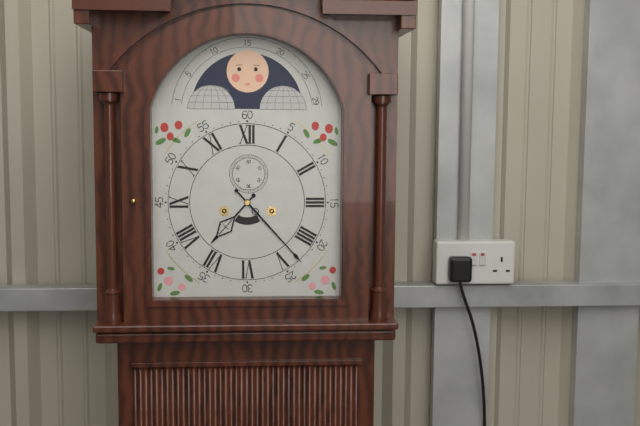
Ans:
7.23
